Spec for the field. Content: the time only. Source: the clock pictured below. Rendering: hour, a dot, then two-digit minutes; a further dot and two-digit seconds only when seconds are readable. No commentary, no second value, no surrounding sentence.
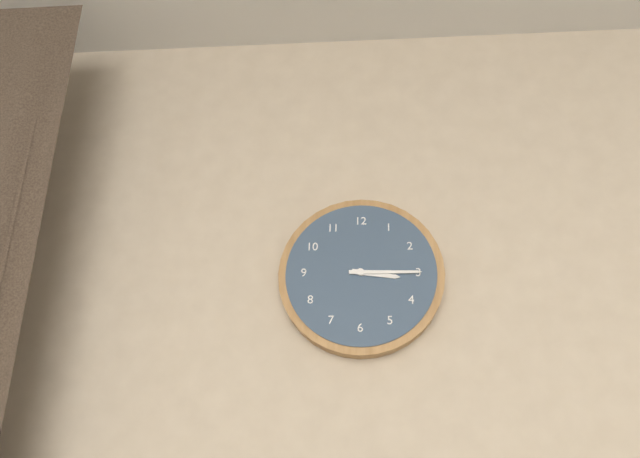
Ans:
3.15
